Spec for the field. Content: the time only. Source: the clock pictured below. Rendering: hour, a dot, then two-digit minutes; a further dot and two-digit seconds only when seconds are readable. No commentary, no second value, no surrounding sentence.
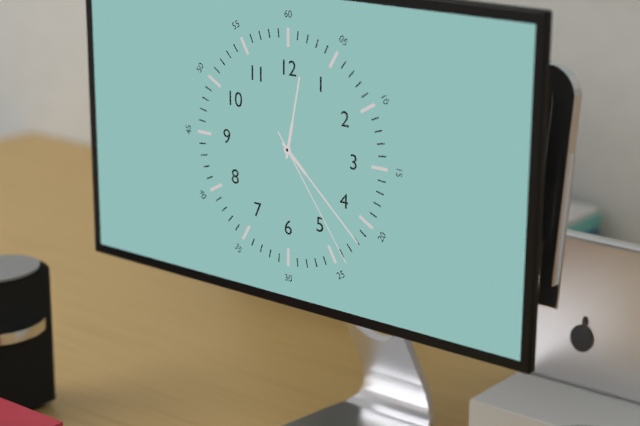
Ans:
12.22.24
